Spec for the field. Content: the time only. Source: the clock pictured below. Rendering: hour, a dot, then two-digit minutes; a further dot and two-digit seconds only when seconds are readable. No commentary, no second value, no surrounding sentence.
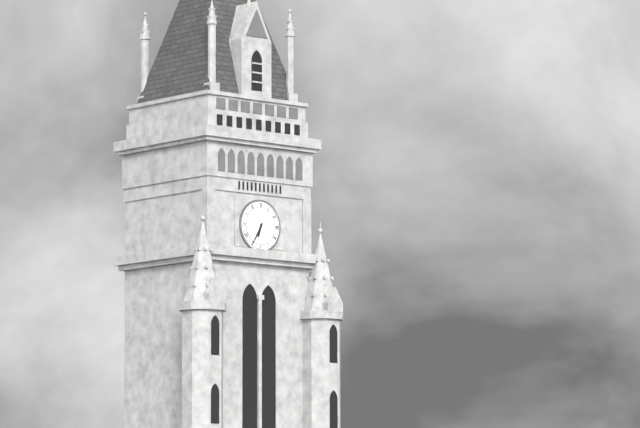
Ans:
6.35
